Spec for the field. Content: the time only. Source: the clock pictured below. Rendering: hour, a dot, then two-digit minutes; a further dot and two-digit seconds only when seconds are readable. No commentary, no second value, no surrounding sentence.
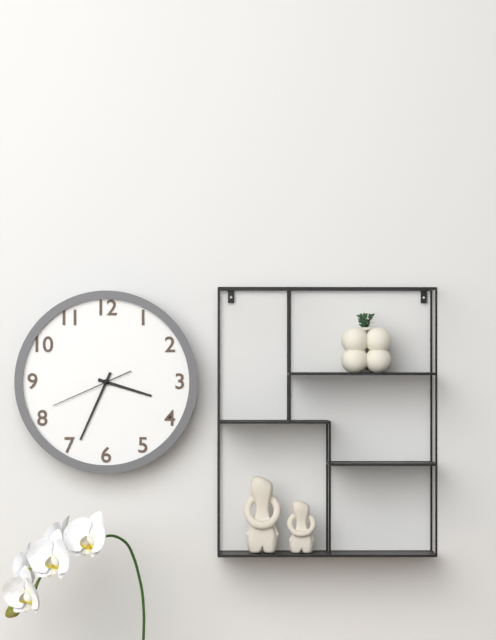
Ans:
3.34.41
